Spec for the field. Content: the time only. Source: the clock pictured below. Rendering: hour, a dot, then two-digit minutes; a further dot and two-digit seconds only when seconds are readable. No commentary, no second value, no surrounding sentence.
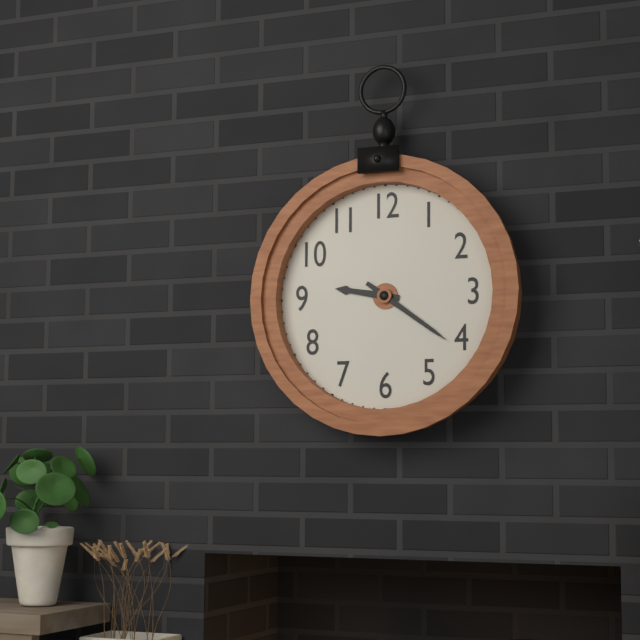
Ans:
9.21
